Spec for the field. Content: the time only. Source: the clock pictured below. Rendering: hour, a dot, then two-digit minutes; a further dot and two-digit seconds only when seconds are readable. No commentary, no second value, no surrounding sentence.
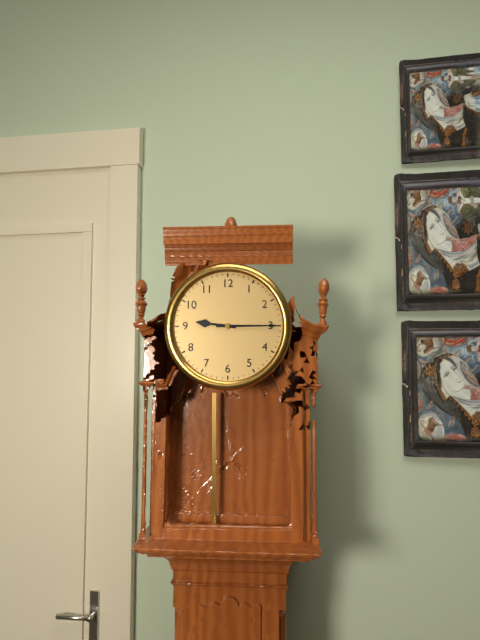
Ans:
9.15
